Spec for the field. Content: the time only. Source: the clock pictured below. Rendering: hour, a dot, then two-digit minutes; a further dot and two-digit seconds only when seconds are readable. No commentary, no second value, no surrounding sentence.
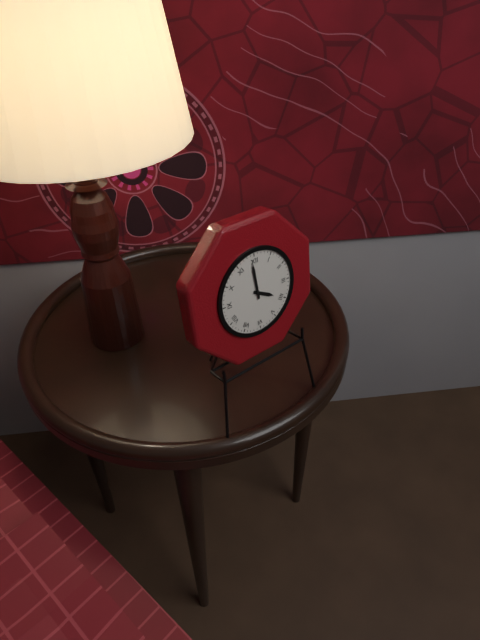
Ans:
3.59
